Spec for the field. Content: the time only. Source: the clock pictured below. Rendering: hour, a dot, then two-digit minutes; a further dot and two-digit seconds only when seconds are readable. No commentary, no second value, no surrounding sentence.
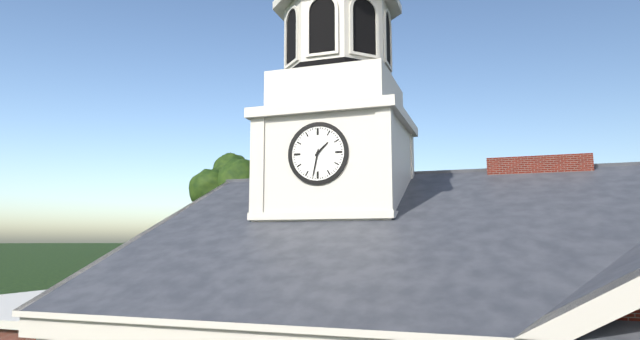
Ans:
1.32
